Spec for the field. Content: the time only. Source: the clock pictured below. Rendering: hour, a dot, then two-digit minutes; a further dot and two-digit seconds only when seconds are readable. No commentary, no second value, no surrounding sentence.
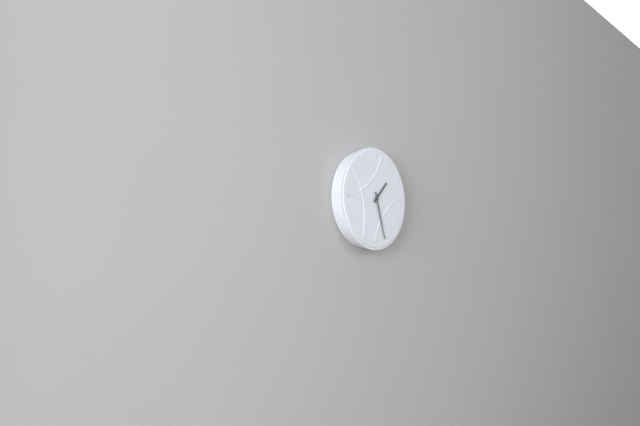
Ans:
1.27
